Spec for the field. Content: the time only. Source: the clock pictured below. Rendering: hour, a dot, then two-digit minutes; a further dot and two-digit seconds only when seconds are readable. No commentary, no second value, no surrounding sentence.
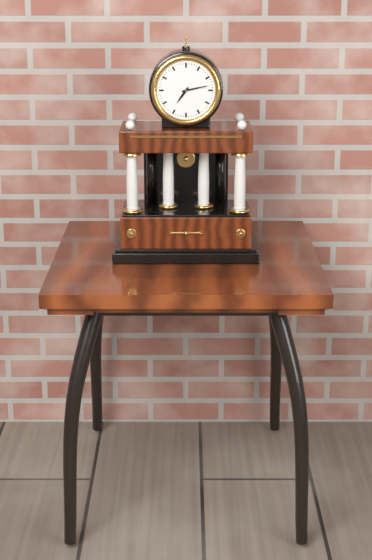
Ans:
7.13
